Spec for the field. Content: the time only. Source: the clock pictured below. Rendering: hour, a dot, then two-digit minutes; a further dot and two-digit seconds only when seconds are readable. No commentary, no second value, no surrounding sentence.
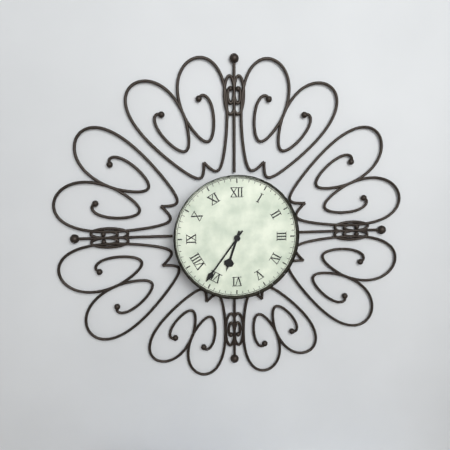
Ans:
6.36
